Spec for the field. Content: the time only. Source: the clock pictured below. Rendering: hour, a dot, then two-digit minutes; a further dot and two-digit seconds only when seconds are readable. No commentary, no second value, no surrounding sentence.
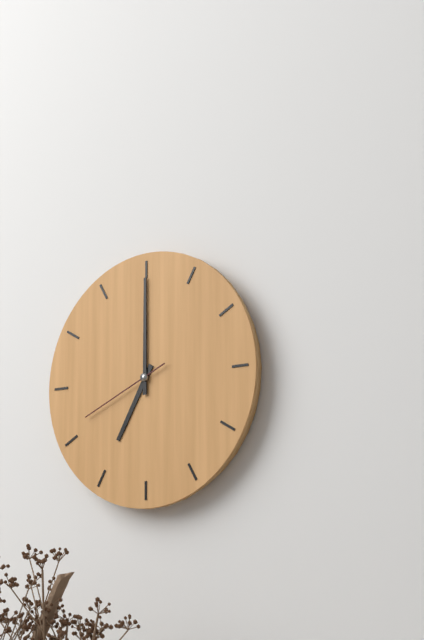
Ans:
7.00.41
